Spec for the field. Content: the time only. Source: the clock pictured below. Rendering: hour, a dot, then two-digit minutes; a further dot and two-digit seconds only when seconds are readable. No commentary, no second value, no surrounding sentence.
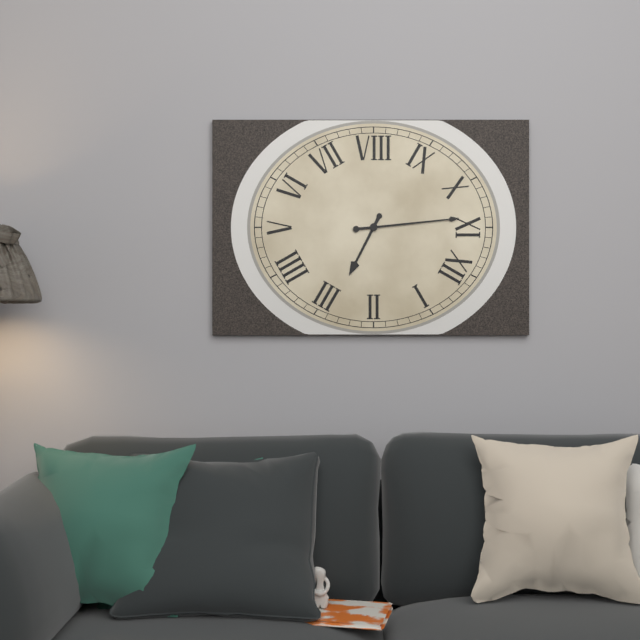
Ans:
2.54
